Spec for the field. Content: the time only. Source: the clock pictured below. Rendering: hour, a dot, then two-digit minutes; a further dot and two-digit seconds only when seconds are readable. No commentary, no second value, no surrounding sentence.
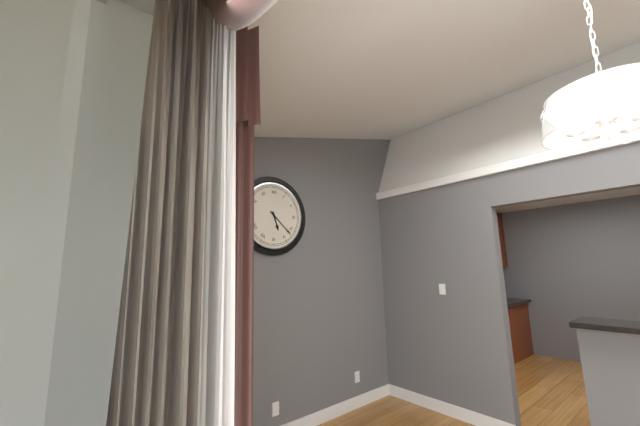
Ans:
5.22
